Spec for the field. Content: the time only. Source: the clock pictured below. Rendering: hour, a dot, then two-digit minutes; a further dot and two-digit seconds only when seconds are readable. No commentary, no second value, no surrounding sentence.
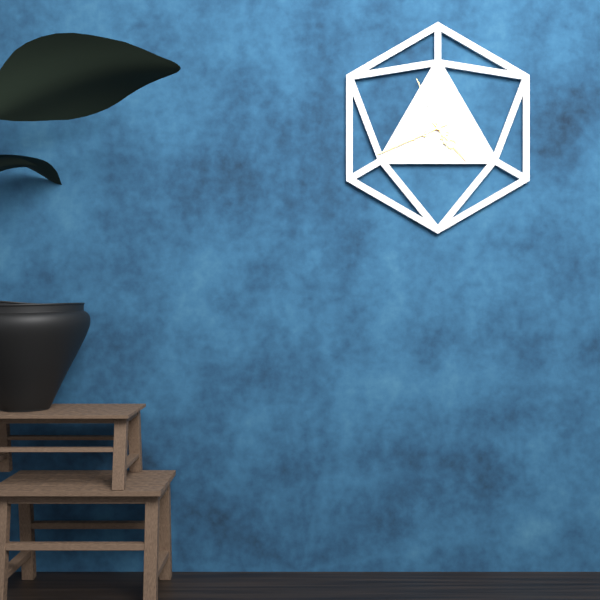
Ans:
4.41.56
